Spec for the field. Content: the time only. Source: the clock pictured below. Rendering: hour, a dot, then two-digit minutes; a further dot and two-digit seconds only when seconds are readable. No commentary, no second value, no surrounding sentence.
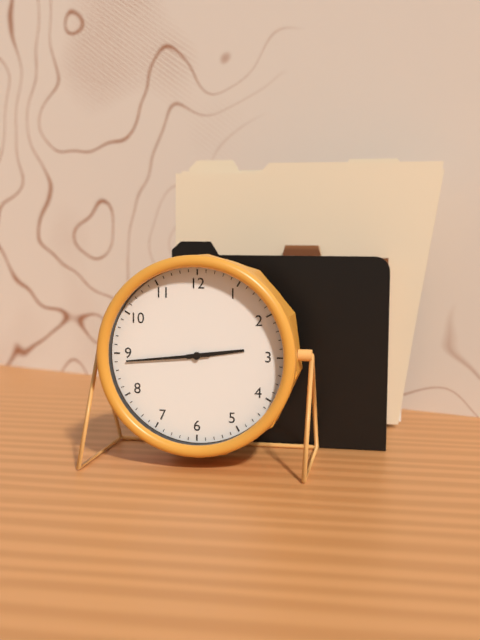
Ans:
2.44
